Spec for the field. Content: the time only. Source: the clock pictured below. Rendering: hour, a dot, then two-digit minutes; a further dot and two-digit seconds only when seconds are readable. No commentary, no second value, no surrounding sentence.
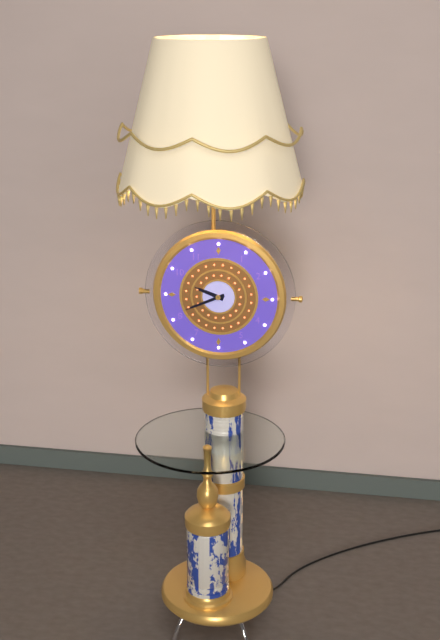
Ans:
9.41
